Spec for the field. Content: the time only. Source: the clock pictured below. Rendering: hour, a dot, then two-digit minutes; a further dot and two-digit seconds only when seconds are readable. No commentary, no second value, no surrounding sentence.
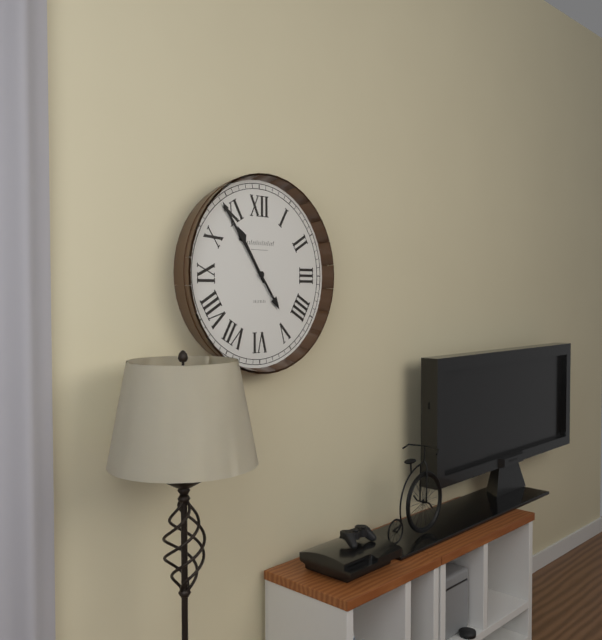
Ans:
10.54
